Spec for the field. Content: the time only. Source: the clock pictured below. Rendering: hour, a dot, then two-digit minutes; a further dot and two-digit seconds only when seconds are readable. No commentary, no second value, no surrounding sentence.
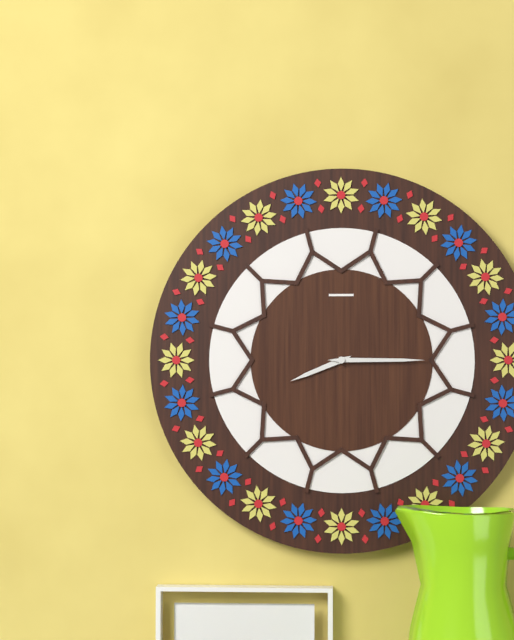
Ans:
8.15
